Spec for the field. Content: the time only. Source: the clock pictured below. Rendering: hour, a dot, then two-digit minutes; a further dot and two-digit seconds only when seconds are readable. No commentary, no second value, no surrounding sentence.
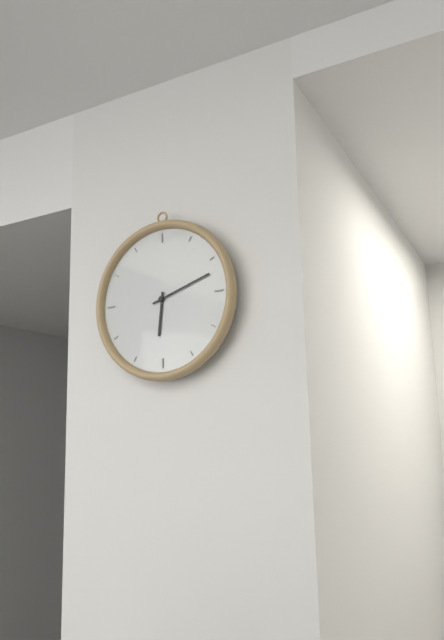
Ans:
6.12
